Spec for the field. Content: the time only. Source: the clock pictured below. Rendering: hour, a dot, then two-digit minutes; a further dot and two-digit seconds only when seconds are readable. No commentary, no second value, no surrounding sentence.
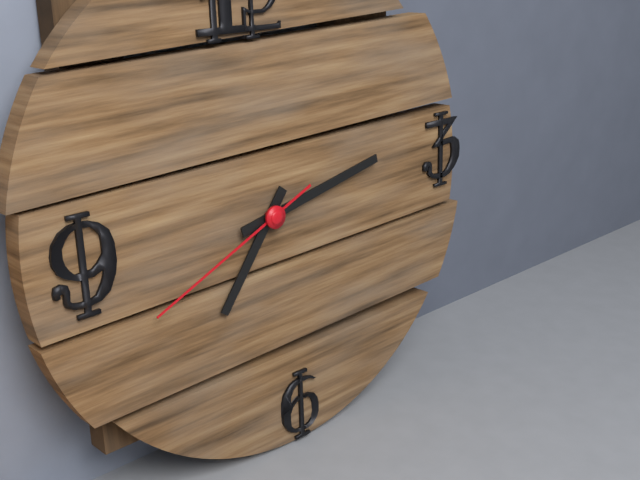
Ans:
7.13.41
